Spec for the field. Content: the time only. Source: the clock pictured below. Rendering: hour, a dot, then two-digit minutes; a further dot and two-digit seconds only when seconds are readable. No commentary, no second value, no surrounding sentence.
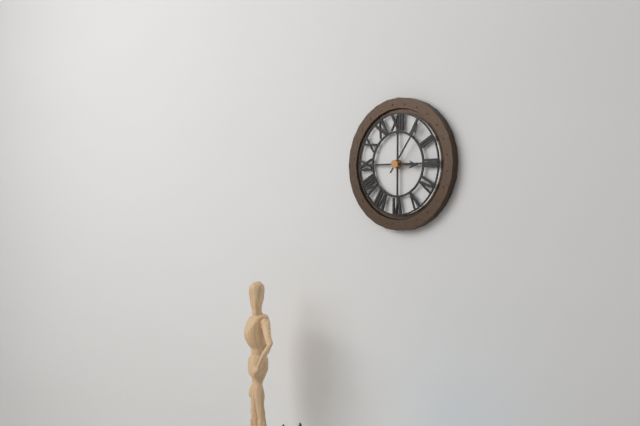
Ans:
3.06
